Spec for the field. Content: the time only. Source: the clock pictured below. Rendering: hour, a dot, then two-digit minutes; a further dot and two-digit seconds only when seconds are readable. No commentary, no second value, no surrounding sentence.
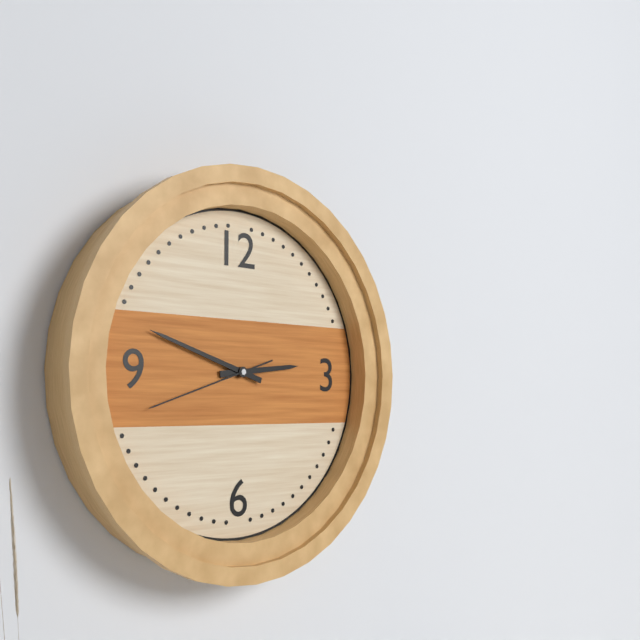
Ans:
2.48.42
